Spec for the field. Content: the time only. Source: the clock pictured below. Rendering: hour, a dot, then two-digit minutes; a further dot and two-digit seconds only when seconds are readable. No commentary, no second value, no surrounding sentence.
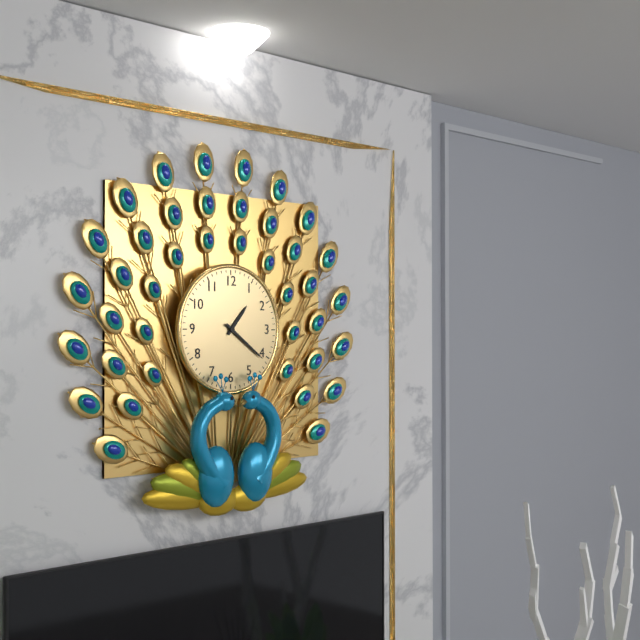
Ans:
1.21
